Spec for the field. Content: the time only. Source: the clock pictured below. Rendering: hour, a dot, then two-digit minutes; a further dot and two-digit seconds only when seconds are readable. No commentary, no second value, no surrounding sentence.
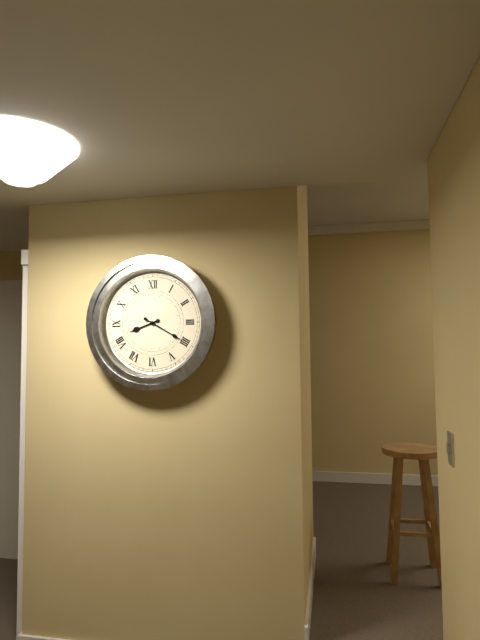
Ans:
8.20
